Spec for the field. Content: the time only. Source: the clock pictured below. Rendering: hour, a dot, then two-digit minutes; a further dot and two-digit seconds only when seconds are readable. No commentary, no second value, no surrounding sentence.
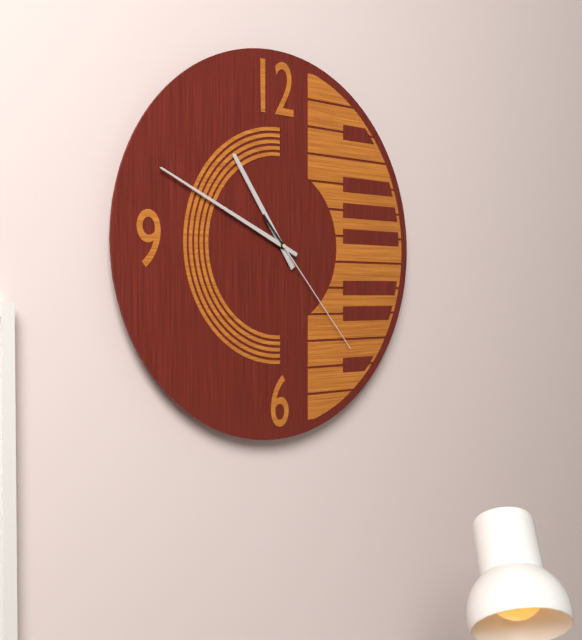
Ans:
10.49.23
